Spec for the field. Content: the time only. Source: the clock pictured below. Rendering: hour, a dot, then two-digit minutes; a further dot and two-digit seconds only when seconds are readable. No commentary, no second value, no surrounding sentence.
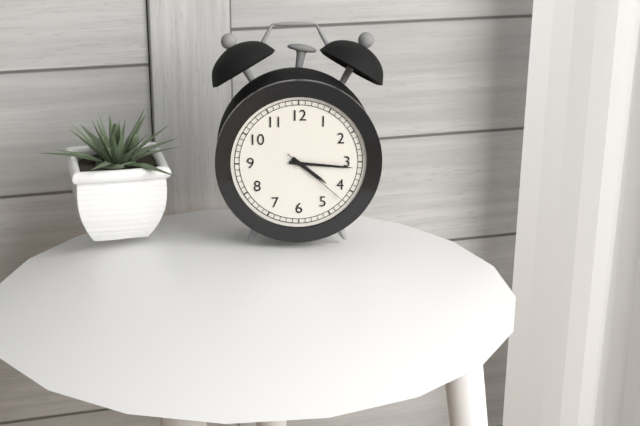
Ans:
4.16.22
